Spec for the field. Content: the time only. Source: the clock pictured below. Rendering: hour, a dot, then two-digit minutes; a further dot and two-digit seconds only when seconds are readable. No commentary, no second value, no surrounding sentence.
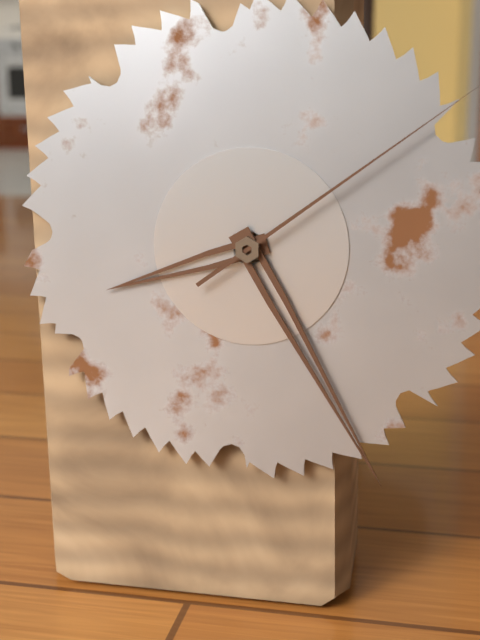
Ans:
8.25
